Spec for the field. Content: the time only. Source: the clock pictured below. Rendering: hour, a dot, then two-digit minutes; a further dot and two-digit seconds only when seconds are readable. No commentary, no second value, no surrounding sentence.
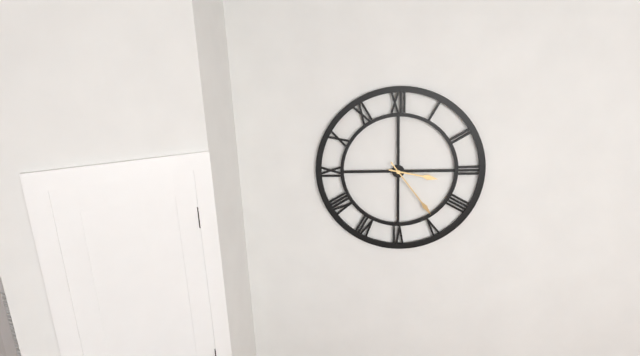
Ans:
3.24
